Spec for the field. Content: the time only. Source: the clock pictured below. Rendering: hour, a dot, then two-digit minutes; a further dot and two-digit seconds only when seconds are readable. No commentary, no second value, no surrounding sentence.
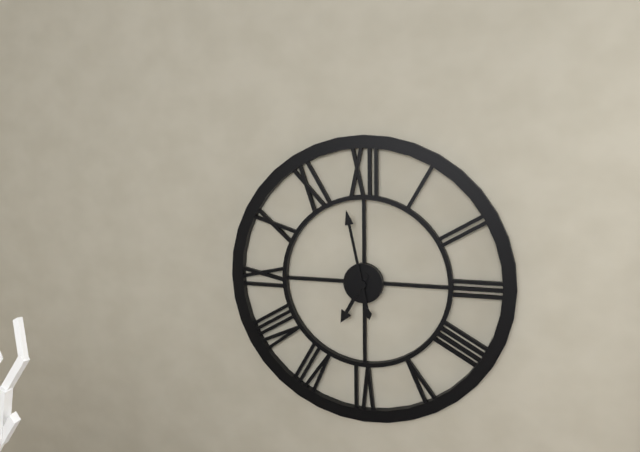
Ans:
6.58
